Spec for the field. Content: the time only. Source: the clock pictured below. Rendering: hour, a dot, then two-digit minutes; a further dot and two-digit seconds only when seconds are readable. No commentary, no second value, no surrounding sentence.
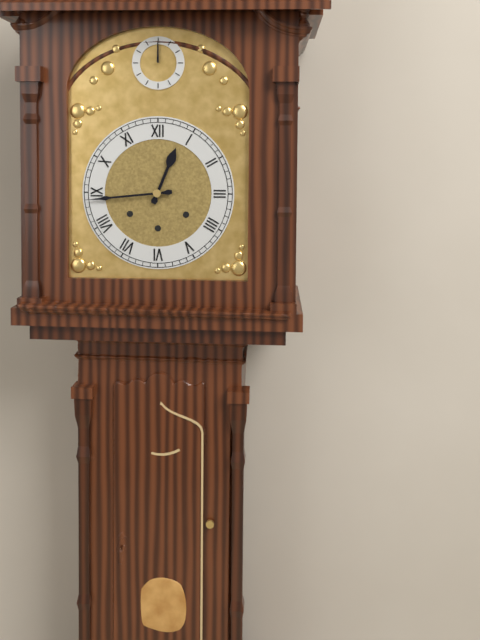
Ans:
12.44
